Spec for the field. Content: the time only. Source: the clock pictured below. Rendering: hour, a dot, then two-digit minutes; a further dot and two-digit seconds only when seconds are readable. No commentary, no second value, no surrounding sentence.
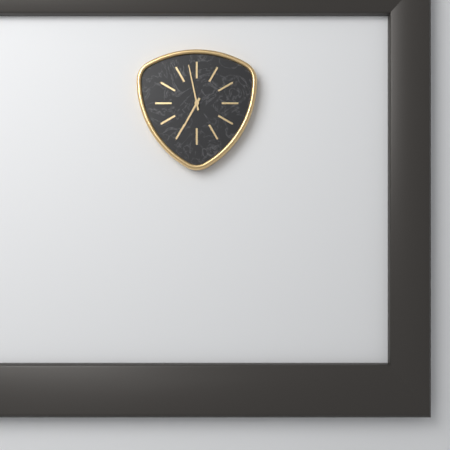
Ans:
6.58
